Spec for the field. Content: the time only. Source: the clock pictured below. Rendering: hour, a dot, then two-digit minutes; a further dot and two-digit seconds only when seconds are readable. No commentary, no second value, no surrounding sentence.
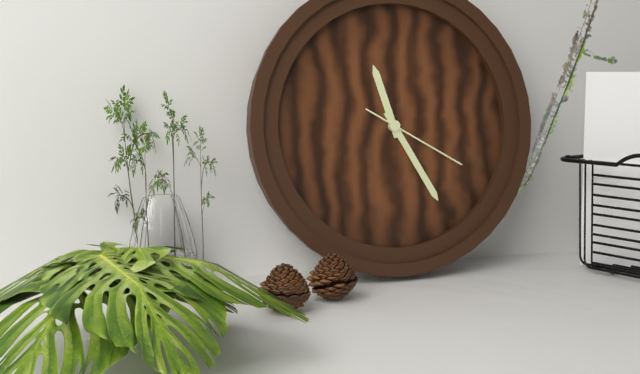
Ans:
11.25.20
